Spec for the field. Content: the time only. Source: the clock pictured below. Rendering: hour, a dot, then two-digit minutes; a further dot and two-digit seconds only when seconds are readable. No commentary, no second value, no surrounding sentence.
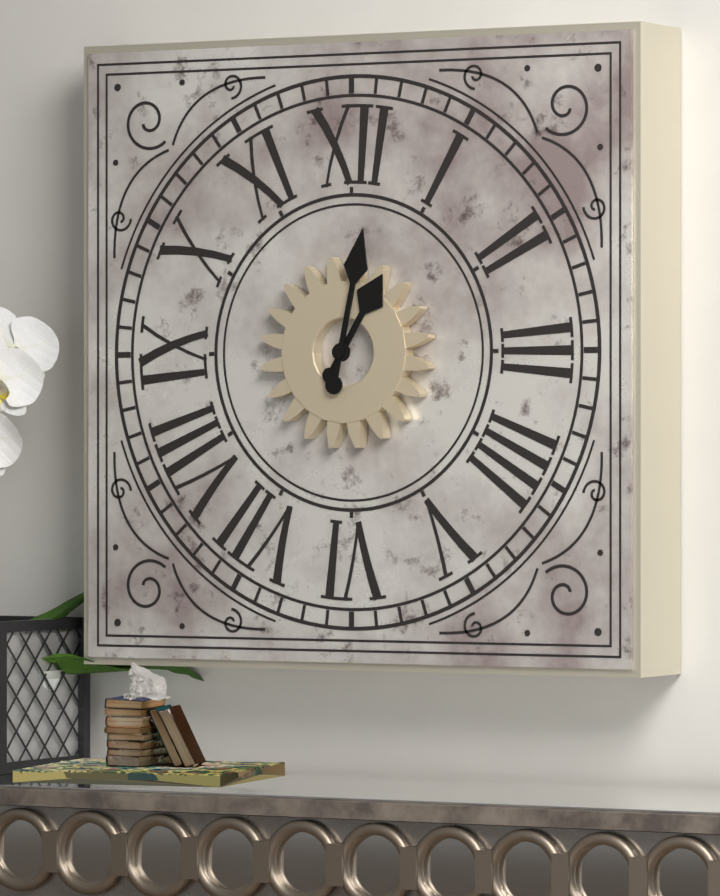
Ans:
1.02
